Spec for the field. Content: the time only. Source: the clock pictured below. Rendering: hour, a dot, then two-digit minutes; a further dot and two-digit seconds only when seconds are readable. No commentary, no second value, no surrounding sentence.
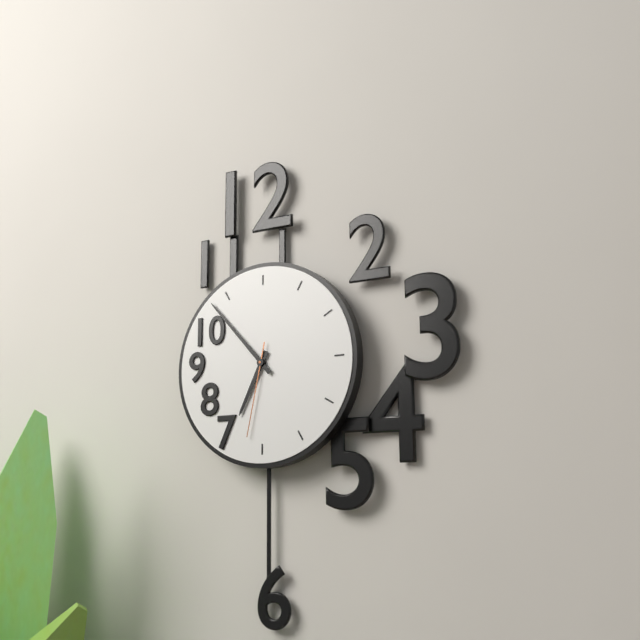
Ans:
6.53.32
